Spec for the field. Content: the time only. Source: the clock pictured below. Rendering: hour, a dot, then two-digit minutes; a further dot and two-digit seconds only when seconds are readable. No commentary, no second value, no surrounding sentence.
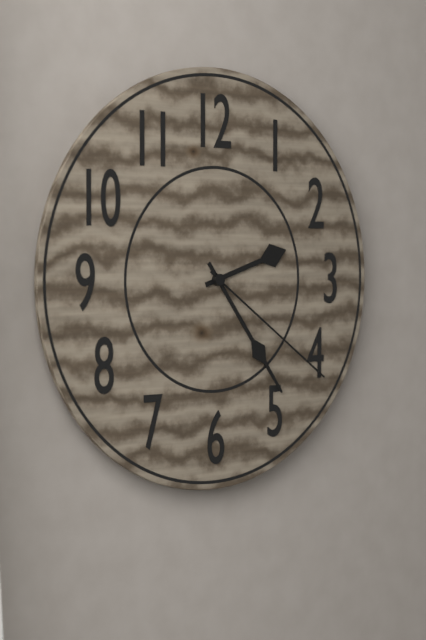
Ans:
2.24.21
